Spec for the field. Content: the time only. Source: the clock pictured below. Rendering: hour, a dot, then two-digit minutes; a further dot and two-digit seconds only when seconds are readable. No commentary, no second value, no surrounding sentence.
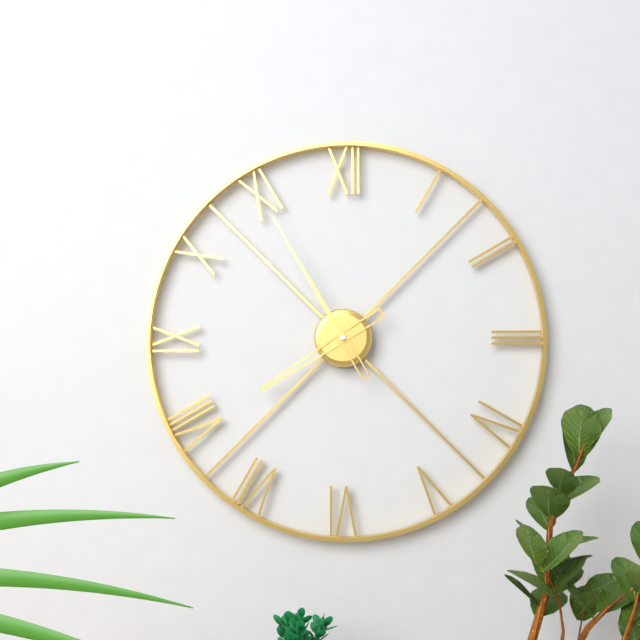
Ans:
7.55
